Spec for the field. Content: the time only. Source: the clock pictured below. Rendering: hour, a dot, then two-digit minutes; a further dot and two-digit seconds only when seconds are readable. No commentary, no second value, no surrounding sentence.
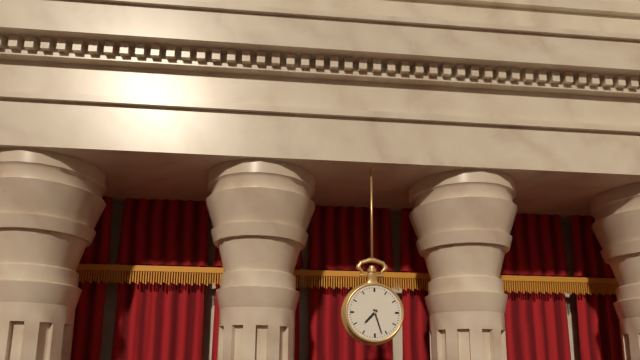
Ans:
7.27
